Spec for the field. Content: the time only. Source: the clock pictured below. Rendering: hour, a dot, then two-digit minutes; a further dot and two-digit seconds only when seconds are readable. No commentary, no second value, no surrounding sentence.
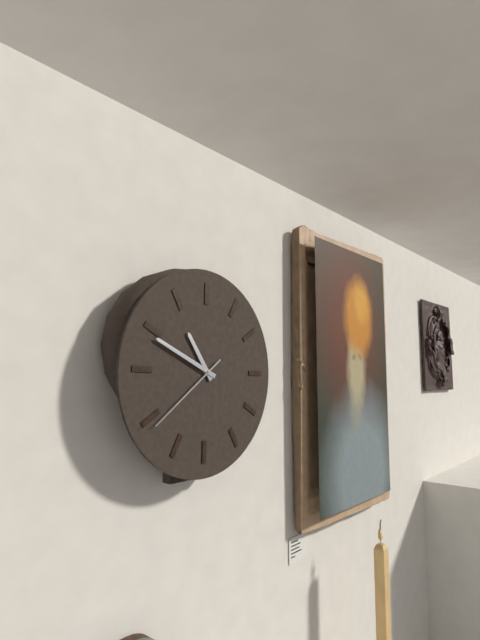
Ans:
10.49.39
